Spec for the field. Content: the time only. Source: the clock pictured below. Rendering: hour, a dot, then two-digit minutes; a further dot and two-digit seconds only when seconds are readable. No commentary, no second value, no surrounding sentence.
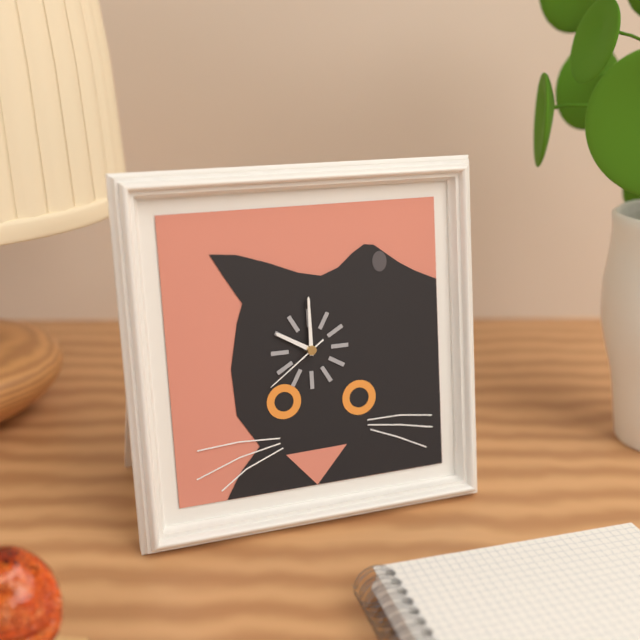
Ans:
10.00.39
